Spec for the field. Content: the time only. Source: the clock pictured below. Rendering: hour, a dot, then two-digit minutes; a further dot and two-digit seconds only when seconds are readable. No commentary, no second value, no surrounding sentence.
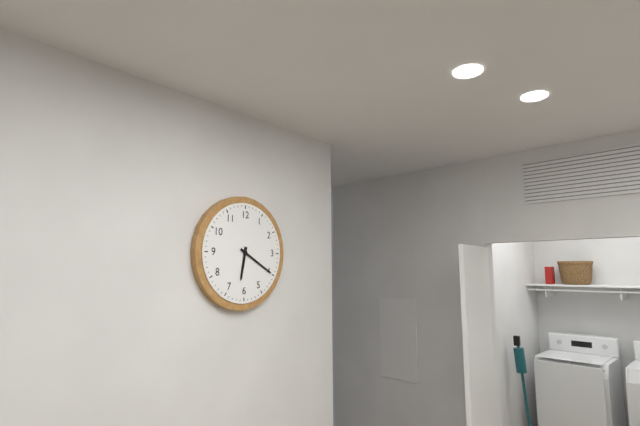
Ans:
6.20
